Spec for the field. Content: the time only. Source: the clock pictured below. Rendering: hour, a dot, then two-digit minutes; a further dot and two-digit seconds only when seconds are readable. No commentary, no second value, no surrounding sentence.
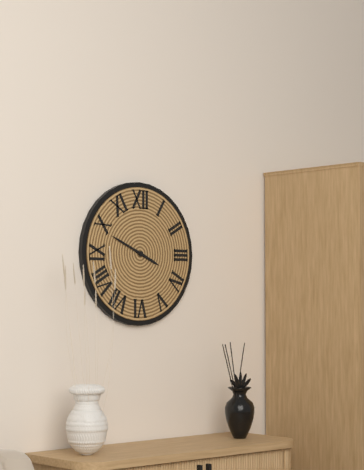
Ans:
3.49
